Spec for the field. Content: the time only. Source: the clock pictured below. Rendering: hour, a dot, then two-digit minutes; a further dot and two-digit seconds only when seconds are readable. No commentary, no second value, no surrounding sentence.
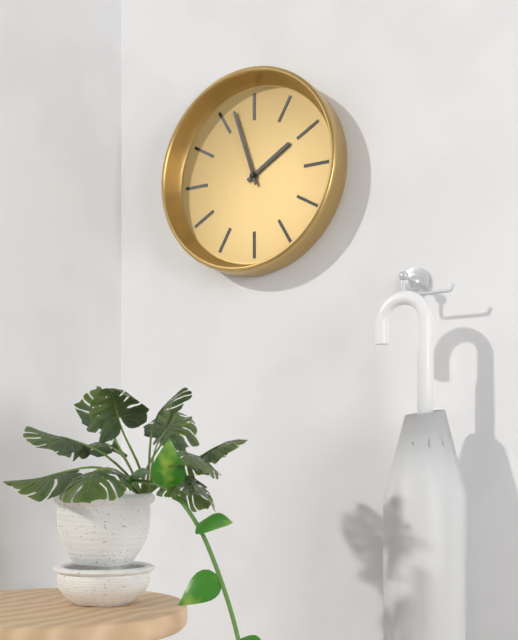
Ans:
1.57
